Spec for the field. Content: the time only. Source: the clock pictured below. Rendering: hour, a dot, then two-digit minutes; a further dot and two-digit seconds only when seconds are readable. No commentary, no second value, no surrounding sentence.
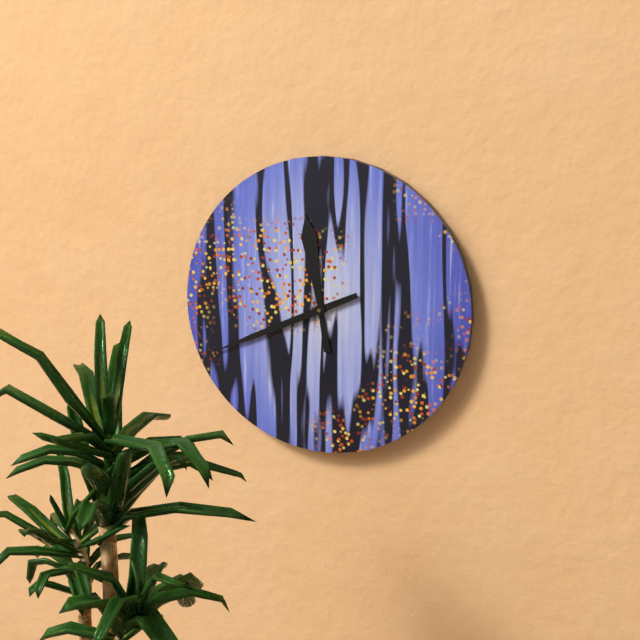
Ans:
11.41
